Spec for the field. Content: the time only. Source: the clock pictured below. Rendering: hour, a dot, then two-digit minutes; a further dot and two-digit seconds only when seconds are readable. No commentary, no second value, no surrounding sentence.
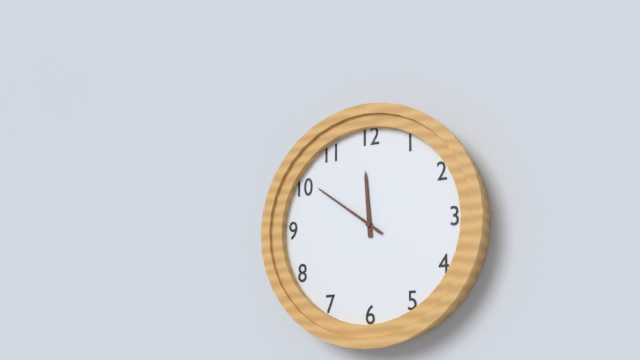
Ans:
11.51
